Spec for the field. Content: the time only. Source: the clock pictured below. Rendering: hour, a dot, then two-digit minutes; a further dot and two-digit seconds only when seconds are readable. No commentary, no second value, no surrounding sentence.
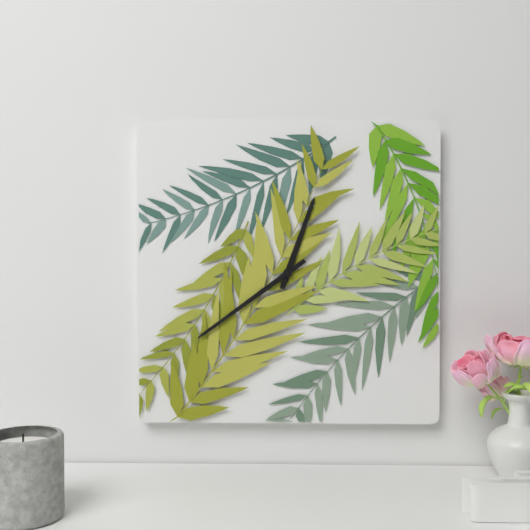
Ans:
12.39
